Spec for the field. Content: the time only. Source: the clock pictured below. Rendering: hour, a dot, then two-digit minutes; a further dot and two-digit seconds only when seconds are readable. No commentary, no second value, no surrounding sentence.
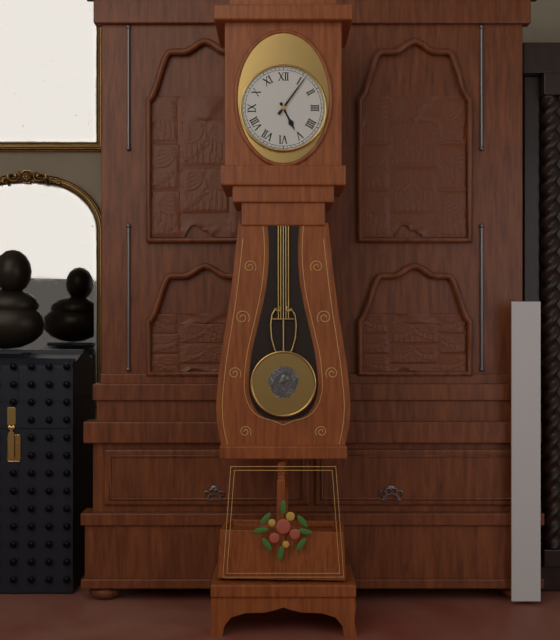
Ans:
5.06
